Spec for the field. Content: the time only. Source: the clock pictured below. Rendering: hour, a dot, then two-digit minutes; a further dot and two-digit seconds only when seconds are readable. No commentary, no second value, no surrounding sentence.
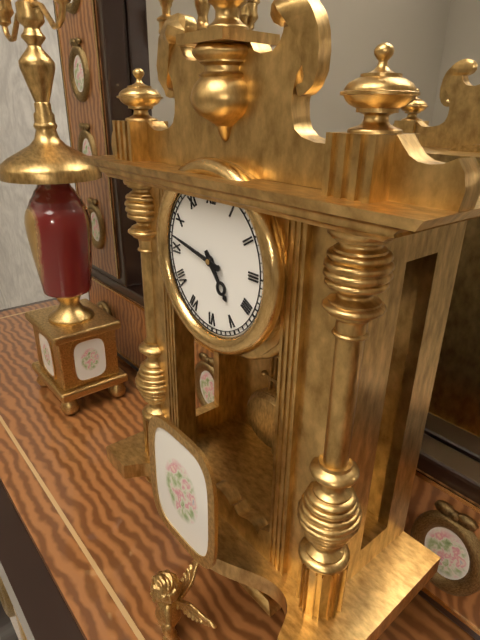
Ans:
4.47
